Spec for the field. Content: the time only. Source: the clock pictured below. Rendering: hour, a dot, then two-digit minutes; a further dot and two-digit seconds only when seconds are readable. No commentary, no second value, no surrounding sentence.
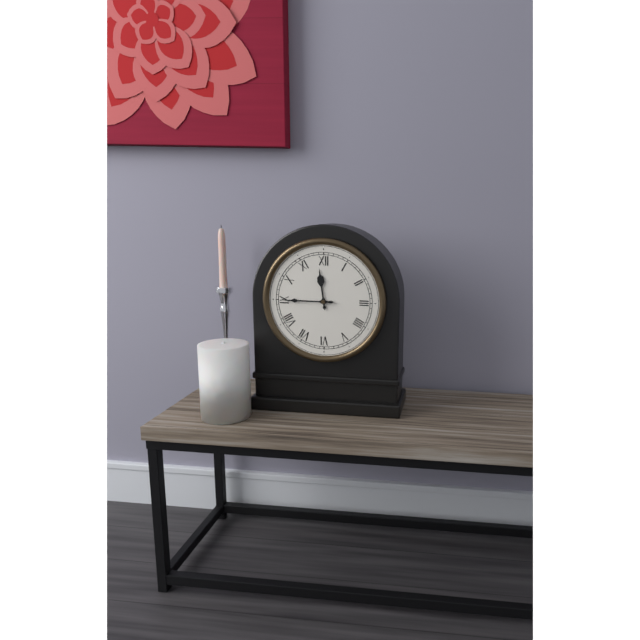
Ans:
11.45
